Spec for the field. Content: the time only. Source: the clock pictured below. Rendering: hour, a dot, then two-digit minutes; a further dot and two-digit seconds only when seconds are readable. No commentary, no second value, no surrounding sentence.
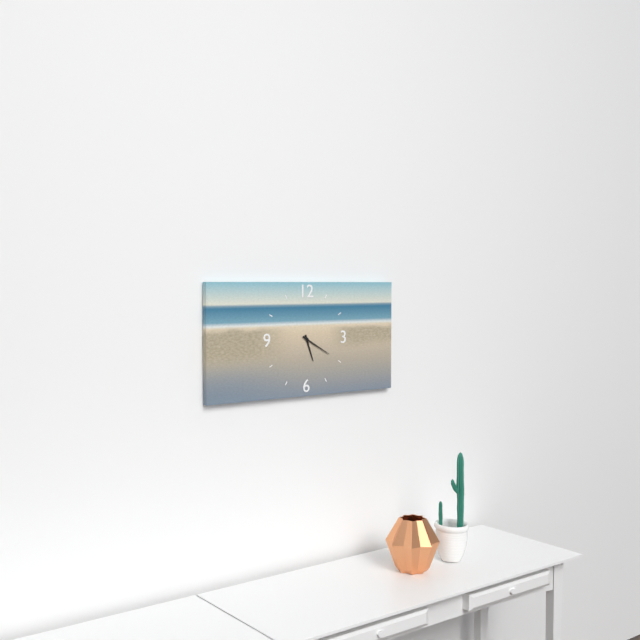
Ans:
5.20
